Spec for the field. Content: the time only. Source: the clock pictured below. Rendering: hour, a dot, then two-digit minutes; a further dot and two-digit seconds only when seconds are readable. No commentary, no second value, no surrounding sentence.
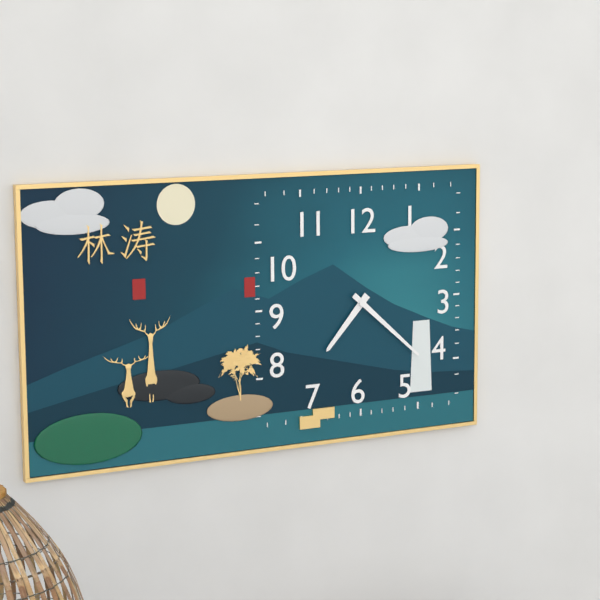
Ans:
7.22
